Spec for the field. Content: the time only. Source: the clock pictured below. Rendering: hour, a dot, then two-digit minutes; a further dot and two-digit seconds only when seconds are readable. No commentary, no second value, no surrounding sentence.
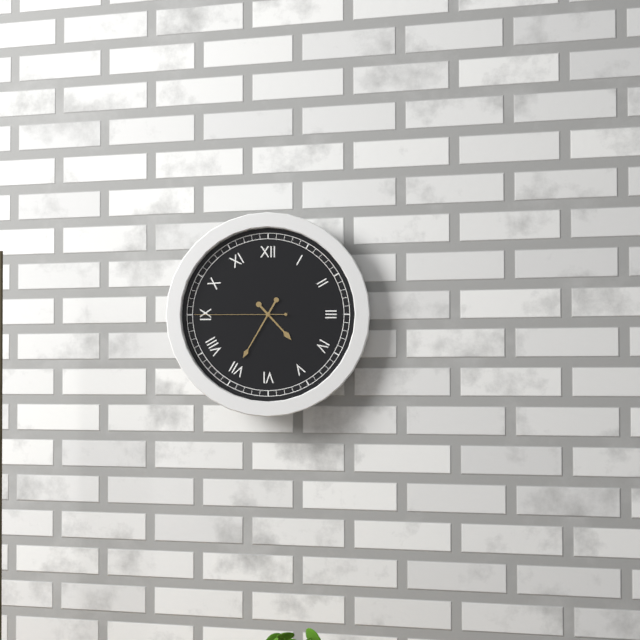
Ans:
4.35.45
